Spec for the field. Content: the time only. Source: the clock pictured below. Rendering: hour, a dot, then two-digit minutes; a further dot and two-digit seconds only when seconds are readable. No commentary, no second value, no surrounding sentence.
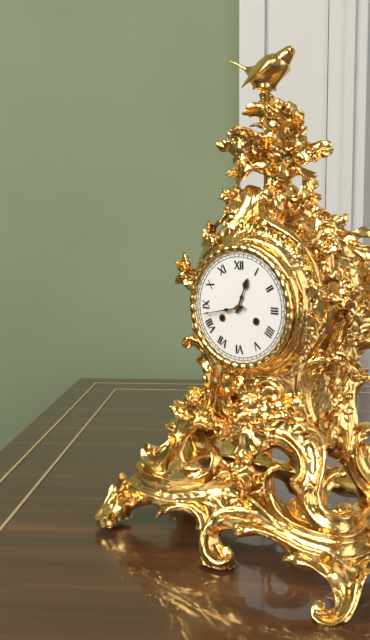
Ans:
12.43
